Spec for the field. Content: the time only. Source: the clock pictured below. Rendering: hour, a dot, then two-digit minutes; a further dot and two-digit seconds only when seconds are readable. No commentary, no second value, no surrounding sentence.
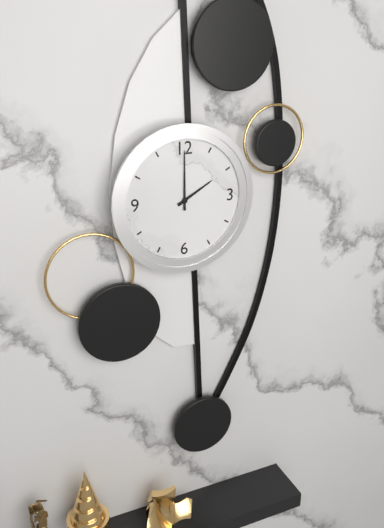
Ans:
2.00
